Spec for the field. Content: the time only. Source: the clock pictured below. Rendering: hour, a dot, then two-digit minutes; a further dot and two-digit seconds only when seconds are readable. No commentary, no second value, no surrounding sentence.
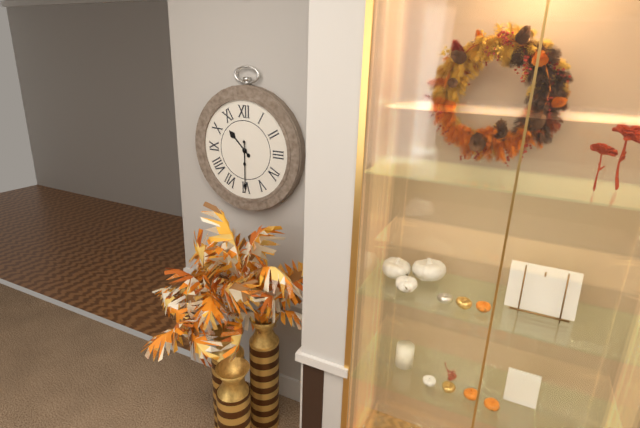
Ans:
10.30
